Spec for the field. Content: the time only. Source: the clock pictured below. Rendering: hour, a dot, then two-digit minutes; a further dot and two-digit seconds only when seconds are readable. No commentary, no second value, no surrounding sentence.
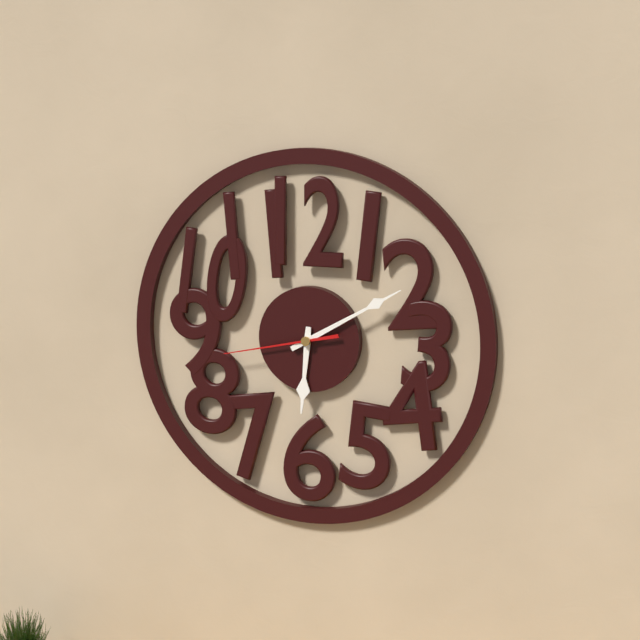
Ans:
6.10.43
